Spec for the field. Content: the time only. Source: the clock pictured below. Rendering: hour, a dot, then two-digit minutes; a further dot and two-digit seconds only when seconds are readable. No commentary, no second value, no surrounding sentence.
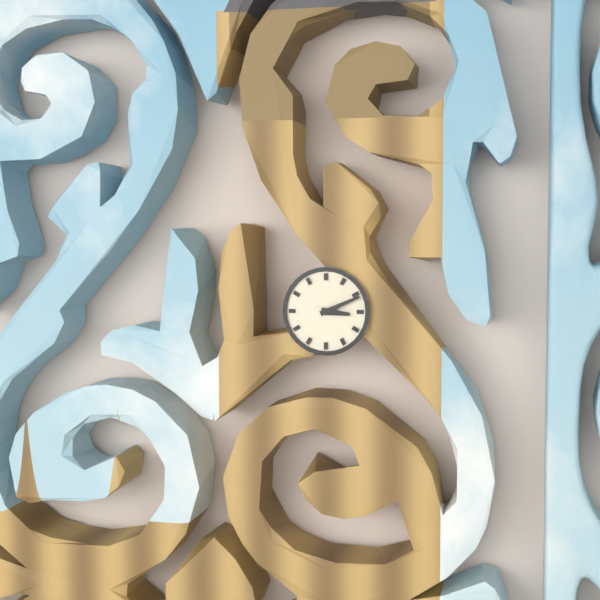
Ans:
3.11
